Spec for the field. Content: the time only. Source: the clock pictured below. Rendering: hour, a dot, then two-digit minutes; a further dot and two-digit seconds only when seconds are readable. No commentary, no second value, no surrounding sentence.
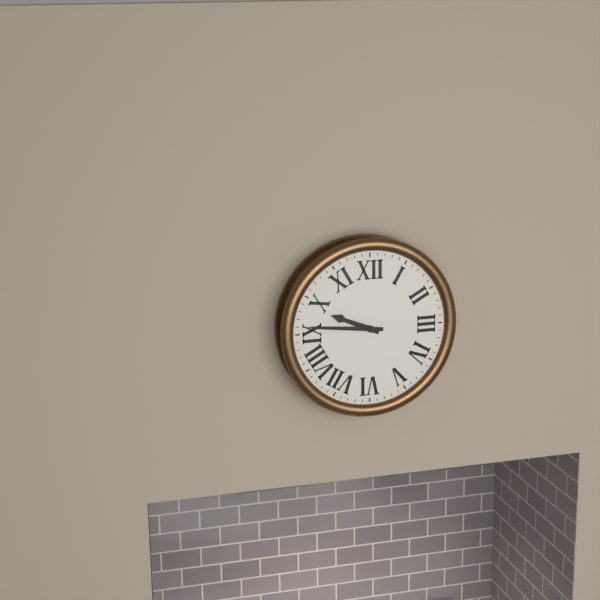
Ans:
9.46
